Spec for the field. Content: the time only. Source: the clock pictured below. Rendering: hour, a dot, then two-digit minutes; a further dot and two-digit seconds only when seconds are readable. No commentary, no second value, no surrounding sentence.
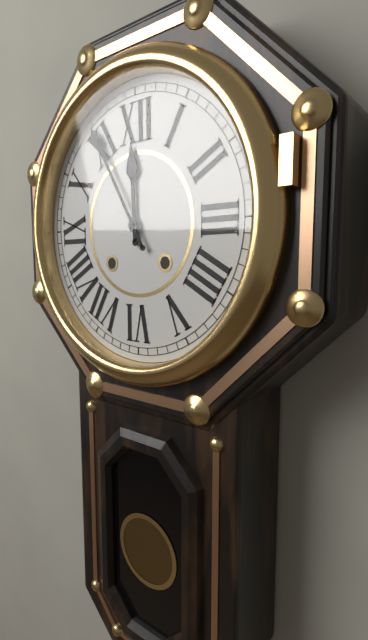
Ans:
11.55
